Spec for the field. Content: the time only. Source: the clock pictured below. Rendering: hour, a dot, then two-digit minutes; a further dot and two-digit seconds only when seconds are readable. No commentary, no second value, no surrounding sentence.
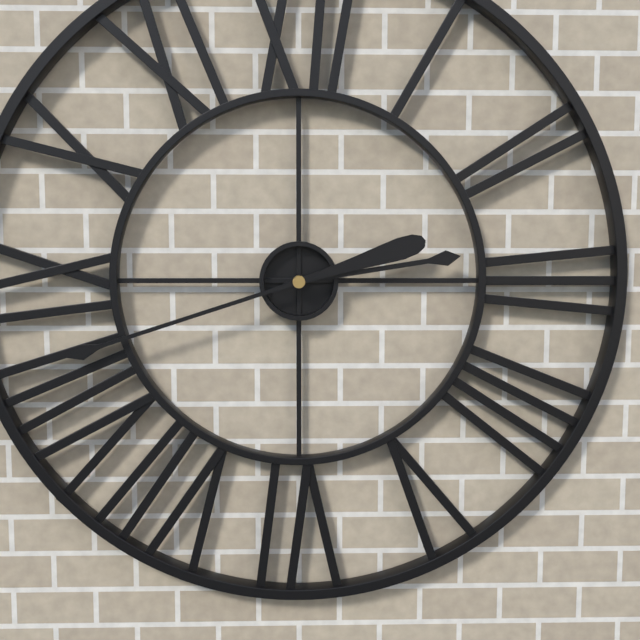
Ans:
2.42
